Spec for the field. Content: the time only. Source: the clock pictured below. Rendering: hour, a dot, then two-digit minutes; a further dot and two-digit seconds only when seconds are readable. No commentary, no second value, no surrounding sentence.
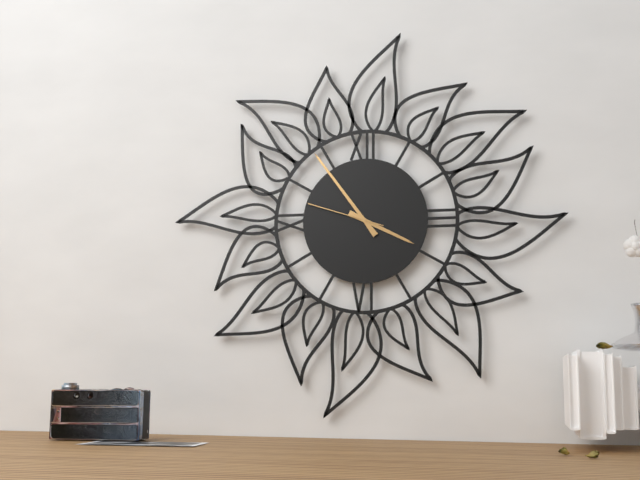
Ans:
3.54.48
